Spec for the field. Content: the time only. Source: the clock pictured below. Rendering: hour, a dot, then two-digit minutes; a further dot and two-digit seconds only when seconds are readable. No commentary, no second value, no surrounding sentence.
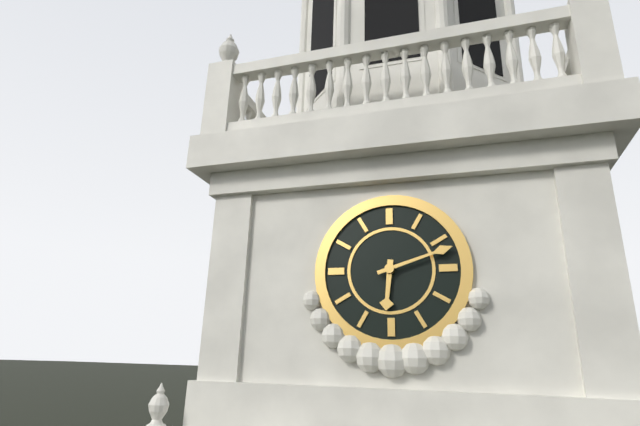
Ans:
6.12
